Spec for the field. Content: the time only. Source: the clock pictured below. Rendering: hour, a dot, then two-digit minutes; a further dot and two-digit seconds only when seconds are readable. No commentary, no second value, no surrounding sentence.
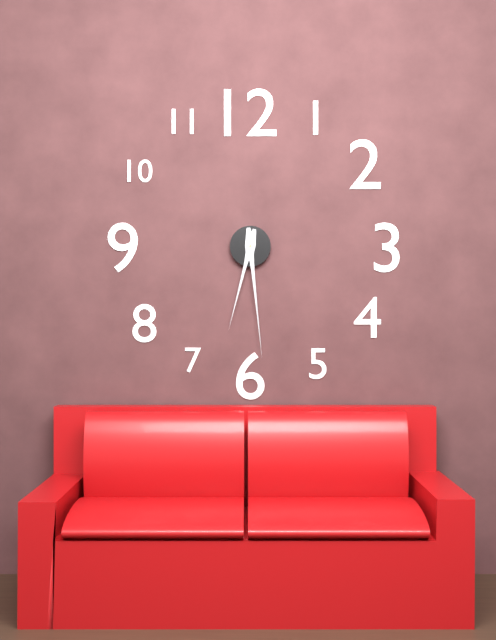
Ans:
6.29
